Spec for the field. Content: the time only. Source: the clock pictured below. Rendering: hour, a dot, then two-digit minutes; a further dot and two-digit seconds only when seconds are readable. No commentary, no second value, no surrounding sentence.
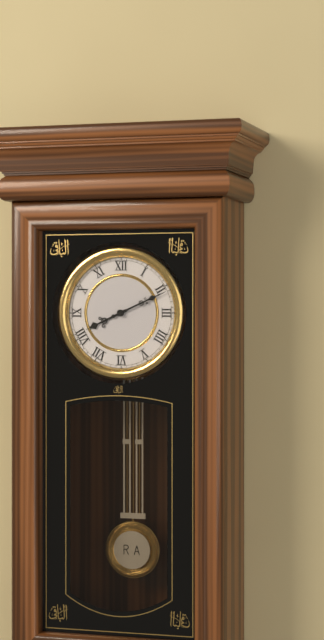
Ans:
8.11
